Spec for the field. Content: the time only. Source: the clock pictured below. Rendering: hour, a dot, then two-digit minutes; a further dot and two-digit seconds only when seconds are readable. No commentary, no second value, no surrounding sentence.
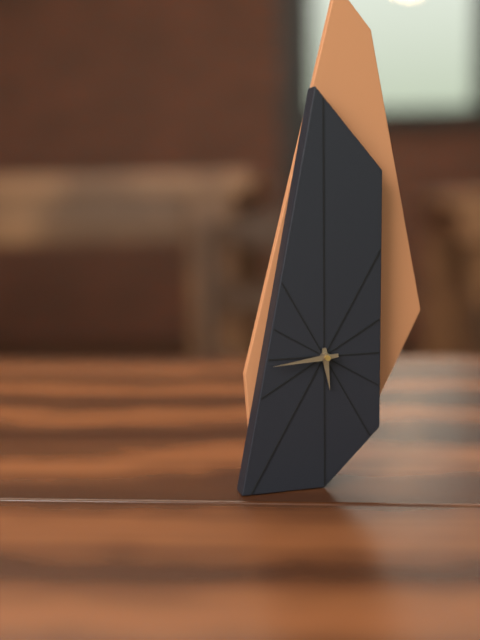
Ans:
5.44
